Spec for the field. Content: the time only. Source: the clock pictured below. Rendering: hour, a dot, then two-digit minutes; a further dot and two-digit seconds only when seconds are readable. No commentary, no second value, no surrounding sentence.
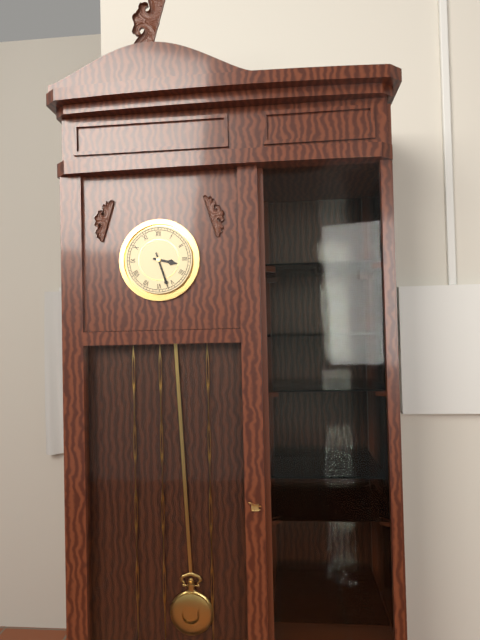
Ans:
3.27
